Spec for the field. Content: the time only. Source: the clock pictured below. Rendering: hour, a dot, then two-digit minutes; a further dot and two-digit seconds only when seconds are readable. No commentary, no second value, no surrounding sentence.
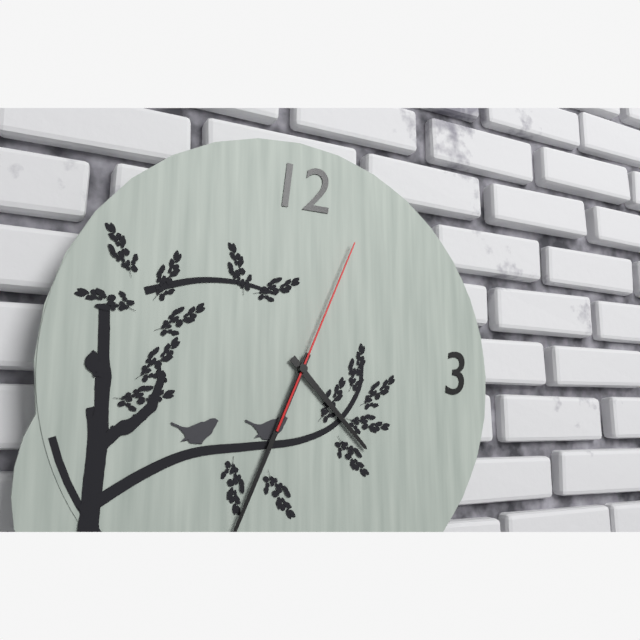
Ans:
4.34.04
